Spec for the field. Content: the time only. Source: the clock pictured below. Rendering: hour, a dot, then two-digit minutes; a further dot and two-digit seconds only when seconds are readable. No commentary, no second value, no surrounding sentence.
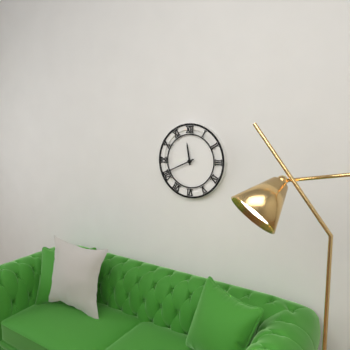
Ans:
11.41
